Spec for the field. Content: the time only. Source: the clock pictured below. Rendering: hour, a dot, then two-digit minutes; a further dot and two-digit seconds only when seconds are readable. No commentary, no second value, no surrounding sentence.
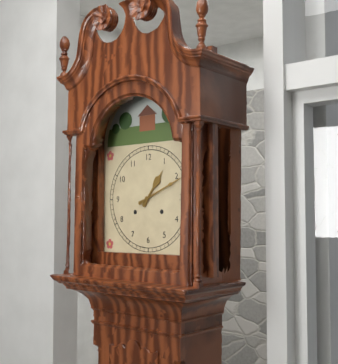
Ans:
1.11
